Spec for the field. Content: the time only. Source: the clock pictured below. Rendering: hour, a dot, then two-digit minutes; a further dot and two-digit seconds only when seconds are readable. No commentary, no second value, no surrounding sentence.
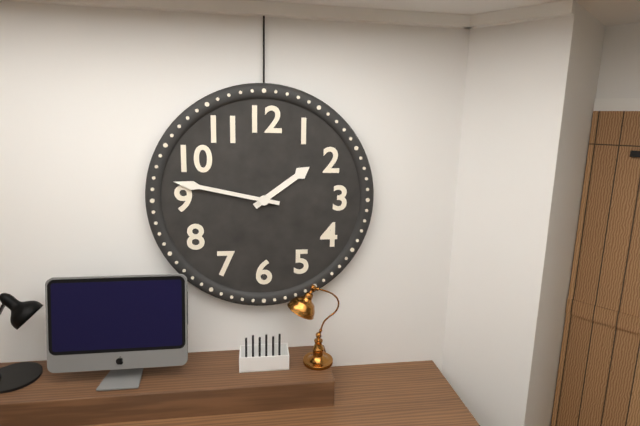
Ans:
1.47
